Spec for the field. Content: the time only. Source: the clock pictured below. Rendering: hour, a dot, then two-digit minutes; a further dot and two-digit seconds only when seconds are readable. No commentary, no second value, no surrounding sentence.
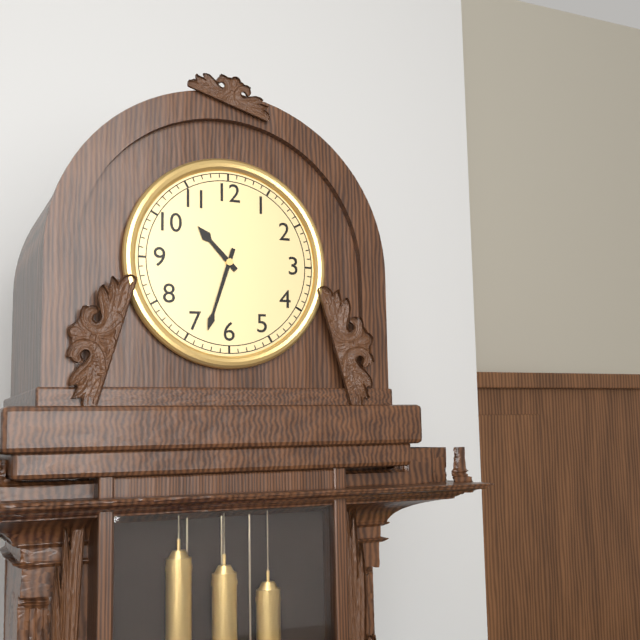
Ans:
10.33
